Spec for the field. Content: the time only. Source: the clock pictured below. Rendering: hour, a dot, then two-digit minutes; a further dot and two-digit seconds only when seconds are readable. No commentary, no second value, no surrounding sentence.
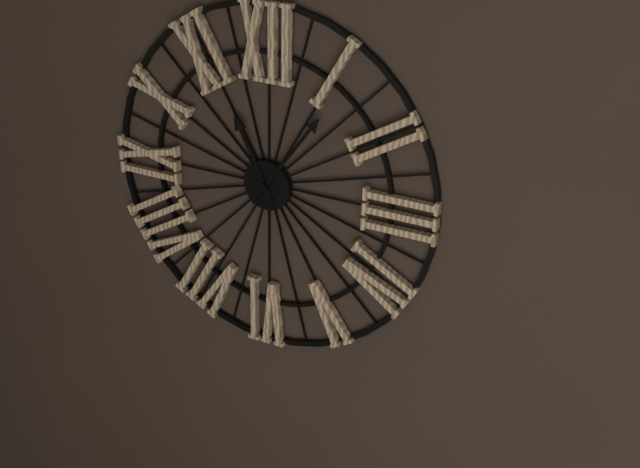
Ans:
11.06
